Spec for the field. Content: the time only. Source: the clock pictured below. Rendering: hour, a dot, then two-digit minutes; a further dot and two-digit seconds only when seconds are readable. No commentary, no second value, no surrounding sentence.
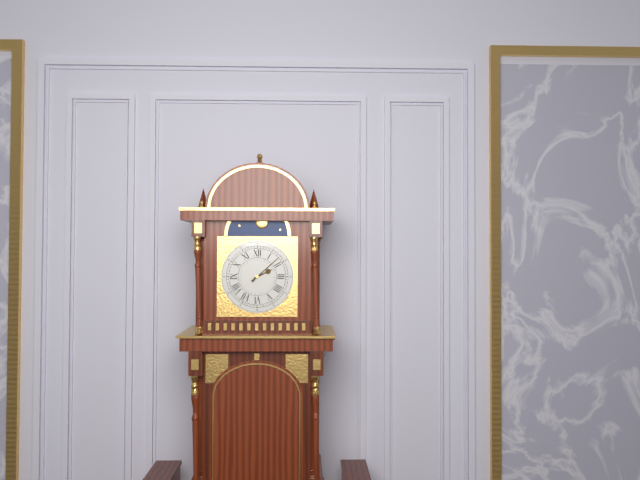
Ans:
2.08
